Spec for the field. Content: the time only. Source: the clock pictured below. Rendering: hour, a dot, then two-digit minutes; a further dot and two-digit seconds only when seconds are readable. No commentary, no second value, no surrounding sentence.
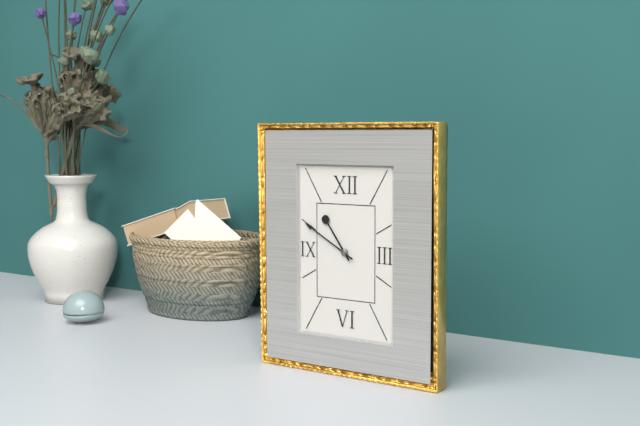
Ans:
10.50
